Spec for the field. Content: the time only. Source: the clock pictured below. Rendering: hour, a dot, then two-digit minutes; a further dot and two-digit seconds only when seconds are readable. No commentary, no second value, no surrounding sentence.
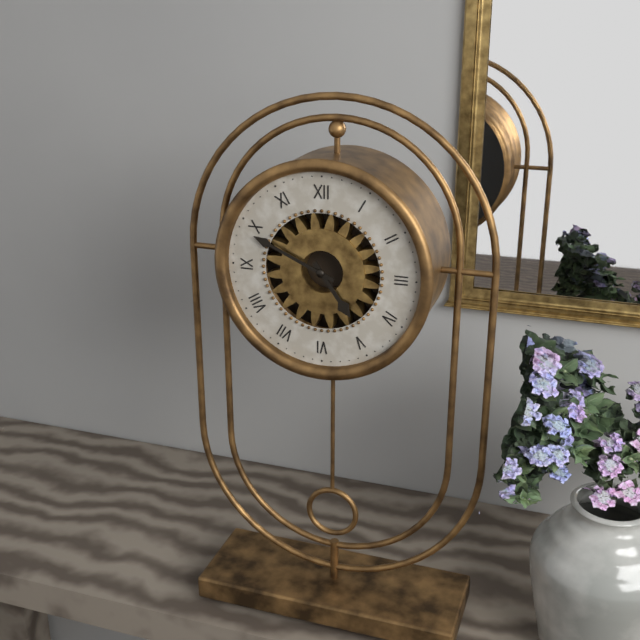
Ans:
4.49
